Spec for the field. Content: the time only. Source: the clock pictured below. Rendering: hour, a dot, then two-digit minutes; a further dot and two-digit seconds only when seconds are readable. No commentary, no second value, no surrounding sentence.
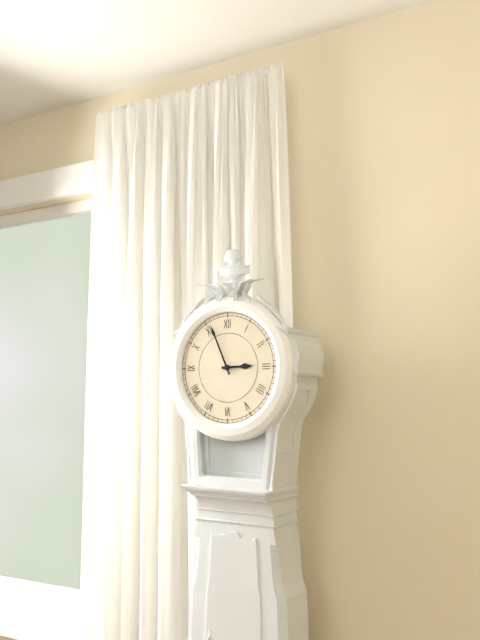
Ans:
2.56
